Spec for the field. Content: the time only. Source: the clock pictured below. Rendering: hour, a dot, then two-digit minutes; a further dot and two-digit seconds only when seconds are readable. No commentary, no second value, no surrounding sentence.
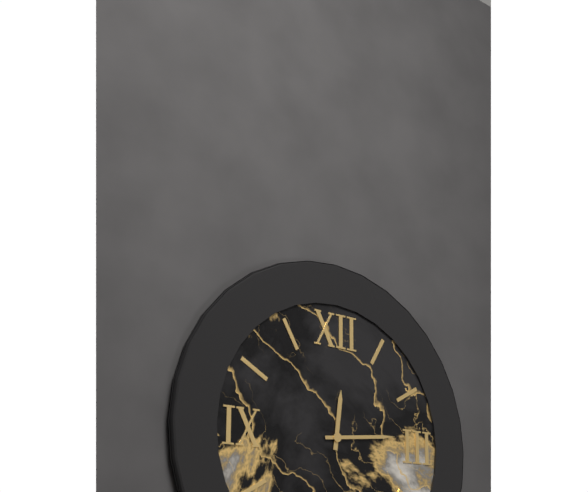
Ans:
12.14
